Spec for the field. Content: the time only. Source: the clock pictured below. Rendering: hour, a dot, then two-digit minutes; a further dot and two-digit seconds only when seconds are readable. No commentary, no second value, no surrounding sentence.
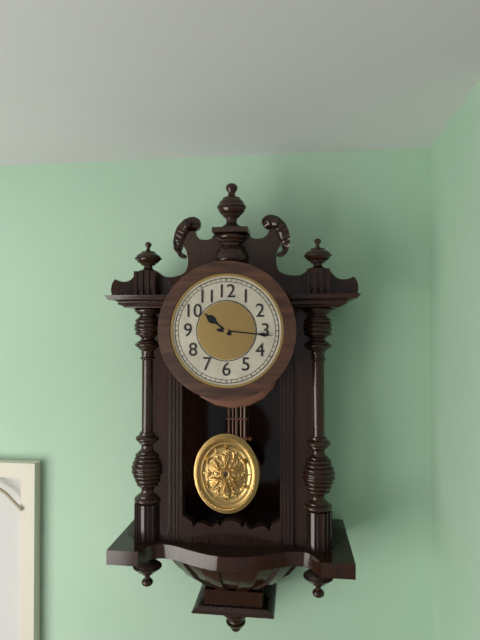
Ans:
10.16
